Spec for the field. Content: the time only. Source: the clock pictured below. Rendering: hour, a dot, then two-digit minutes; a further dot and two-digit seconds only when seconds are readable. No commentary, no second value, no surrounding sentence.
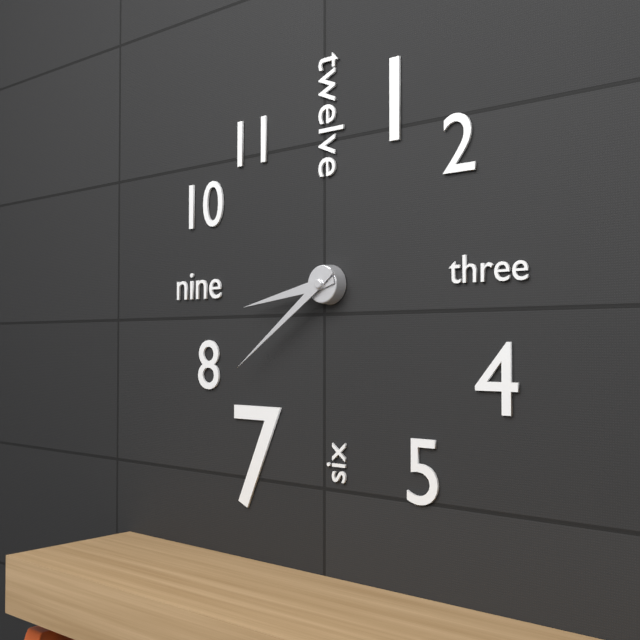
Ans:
8.39
